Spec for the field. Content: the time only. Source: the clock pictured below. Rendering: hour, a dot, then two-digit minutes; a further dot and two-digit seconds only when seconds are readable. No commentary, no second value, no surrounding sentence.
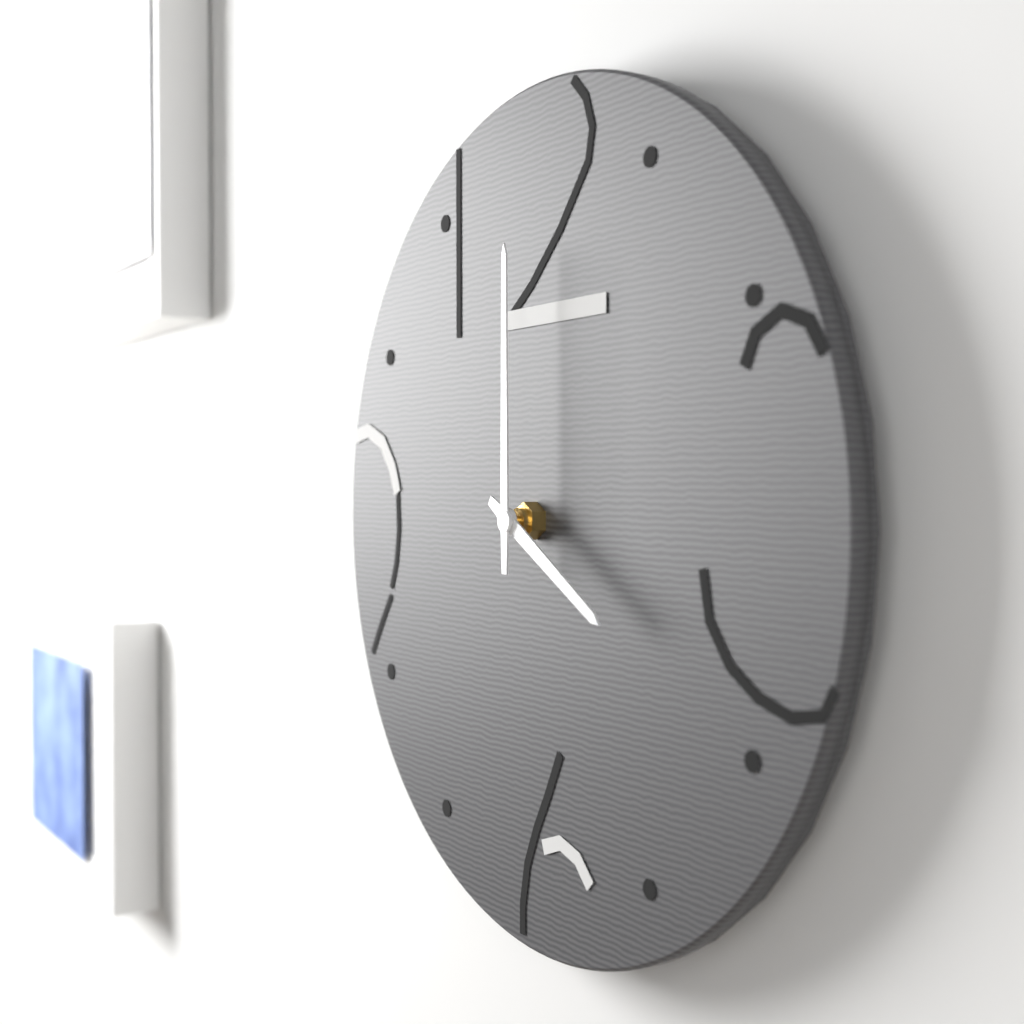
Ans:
4.00
